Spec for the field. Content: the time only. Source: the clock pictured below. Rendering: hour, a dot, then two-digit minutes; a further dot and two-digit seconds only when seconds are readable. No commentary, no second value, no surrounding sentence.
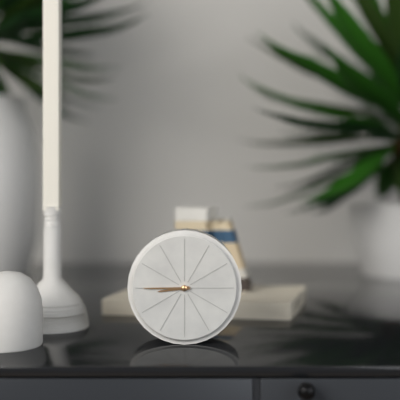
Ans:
8.45
